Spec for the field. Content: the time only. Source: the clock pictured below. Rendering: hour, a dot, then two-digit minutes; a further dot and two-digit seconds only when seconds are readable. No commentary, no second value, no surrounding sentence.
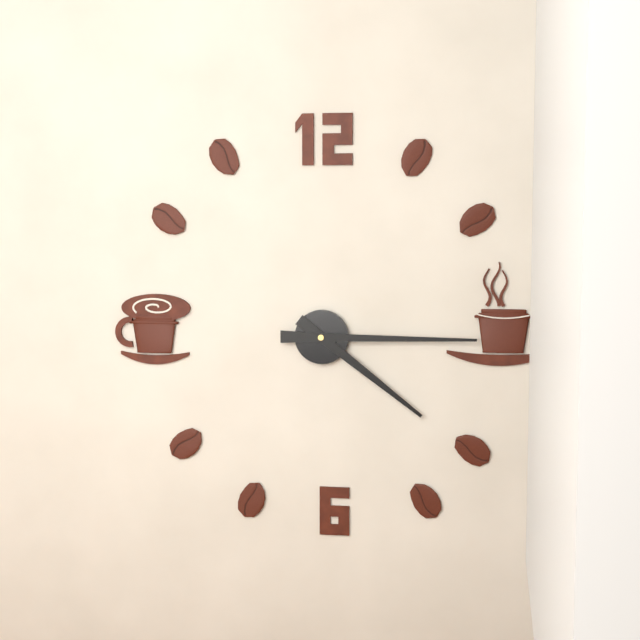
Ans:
4.15
